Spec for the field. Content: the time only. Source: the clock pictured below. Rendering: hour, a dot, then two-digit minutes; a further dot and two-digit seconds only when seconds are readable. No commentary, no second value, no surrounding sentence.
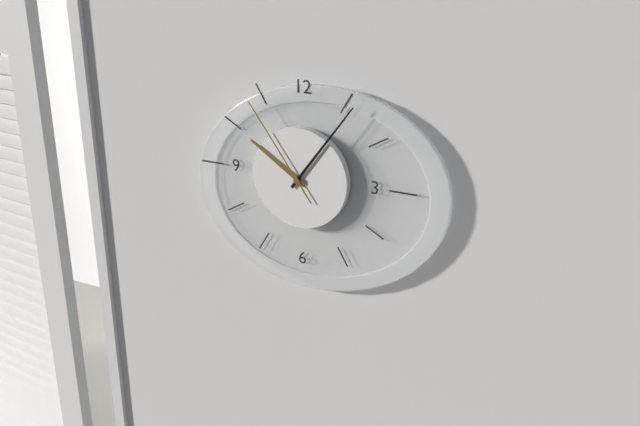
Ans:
10.06.54
